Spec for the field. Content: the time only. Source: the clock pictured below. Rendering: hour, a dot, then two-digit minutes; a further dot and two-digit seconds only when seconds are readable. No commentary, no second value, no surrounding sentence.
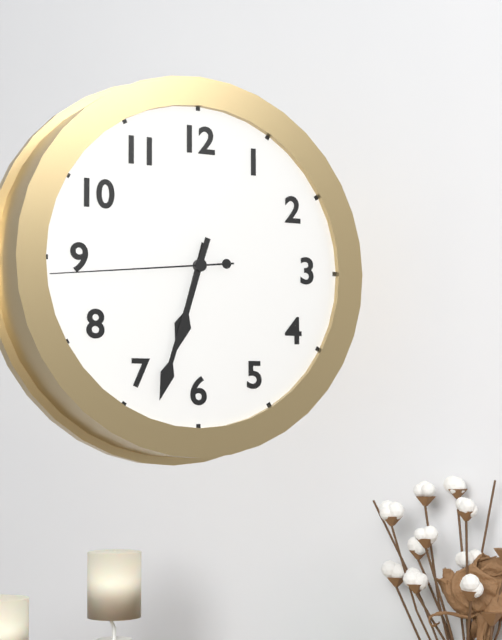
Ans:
6.33.44
